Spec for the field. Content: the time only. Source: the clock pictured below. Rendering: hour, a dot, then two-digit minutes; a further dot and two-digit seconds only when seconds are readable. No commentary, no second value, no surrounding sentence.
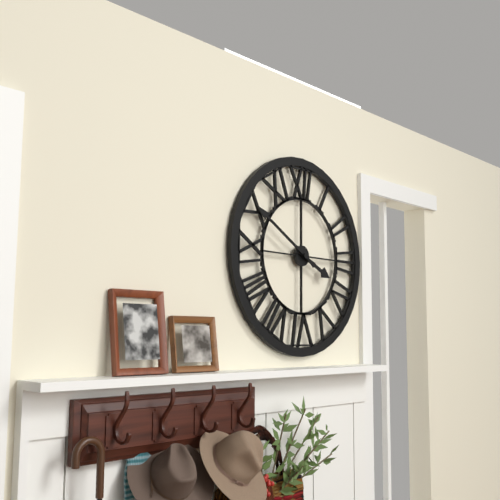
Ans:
3.50
